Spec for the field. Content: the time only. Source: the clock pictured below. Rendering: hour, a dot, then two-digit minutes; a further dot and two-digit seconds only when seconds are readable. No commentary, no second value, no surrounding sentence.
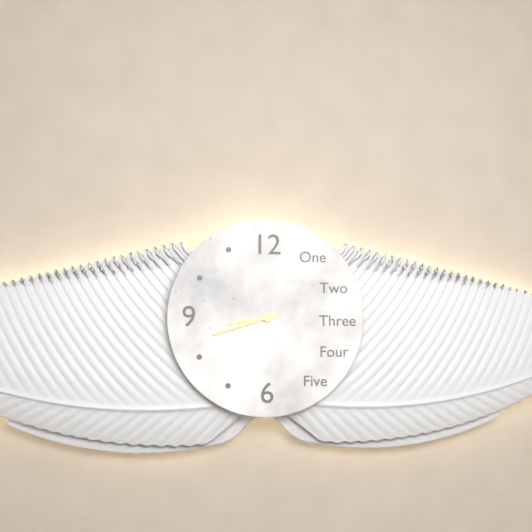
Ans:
8.42
